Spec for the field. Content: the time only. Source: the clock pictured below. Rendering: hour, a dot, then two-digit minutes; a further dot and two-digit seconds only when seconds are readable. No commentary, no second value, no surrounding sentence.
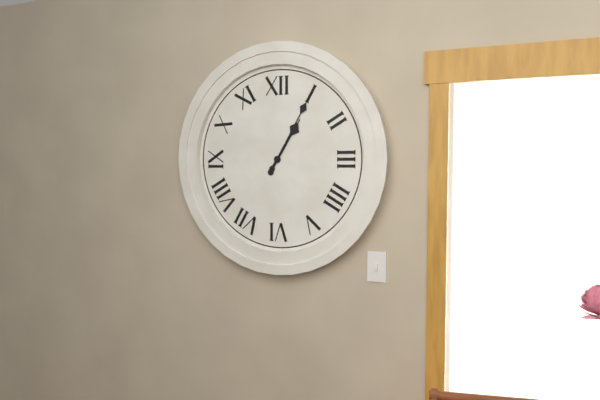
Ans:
1.05
